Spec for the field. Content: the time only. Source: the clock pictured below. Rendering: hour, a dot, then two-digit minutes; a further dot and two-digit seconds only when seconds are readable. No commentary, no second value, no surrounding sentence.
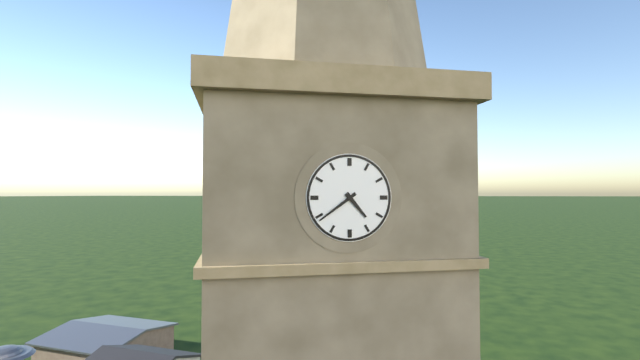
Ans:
4.39
